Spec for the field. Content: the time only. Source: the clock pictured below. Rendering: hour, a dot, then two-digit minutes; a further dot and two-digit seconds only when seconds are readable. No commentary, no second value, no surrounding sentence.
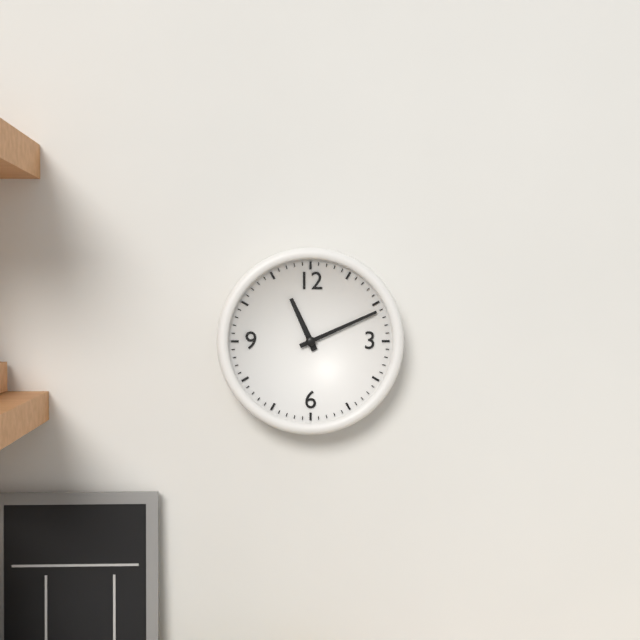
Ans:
11.11
